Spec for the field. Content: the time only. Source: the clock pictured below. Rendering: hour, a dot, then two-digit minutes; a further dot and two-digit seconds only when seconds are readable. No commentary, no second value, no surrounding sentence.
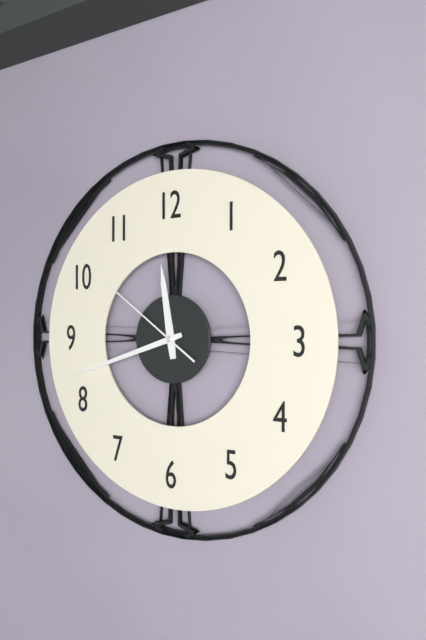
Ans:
11.42.51
